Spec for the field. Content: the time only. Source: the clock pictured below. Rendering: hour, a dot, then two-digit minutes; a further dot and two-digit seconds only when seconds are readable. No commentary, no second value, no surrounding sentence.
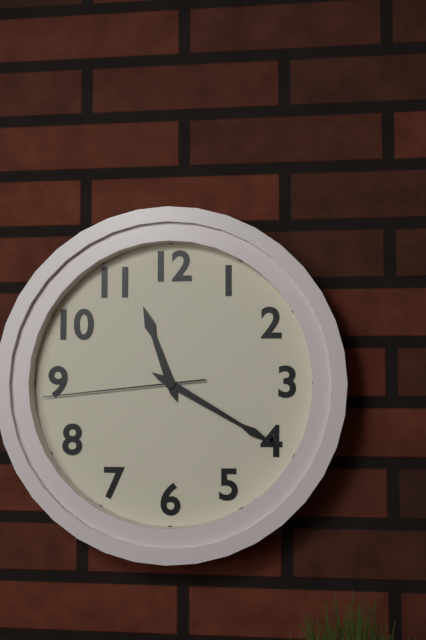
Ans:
11.20.44
